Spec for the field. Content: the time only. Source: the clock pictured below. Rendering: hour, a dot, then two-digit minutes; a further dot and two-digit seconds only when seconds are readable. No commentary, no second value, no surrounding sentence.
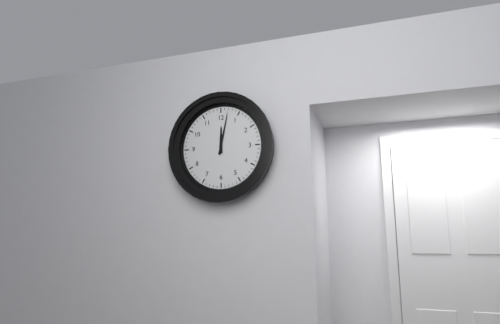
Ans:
12.02
